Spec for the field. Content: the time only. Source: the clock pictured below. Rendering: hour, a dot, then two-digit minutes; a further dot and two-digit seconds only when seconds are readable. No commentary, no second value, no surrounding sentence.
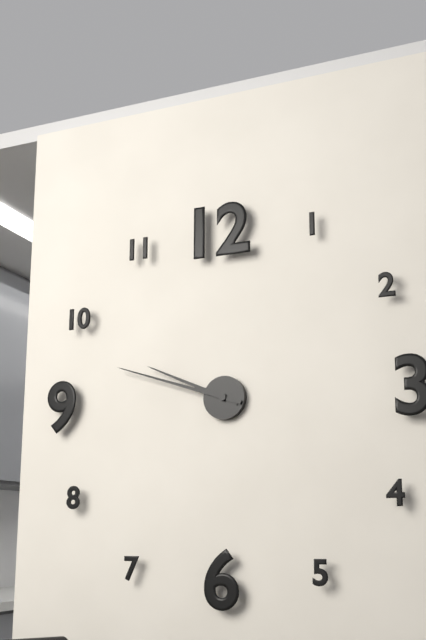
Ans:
9.48
